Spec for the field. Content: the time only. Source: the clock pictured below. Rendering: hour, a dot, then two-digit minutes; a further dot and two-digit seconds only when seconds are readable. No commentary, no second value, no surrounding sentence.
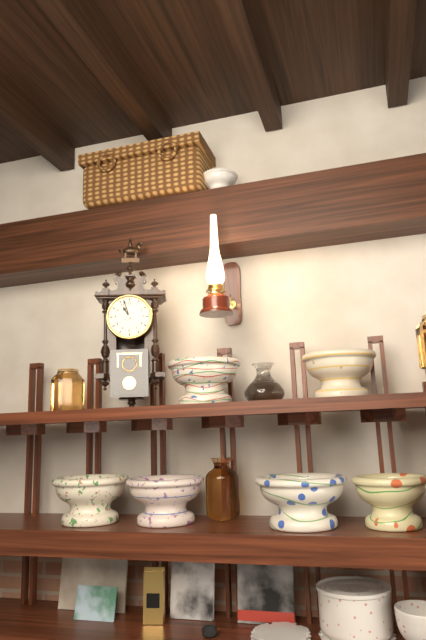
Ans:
10.57
